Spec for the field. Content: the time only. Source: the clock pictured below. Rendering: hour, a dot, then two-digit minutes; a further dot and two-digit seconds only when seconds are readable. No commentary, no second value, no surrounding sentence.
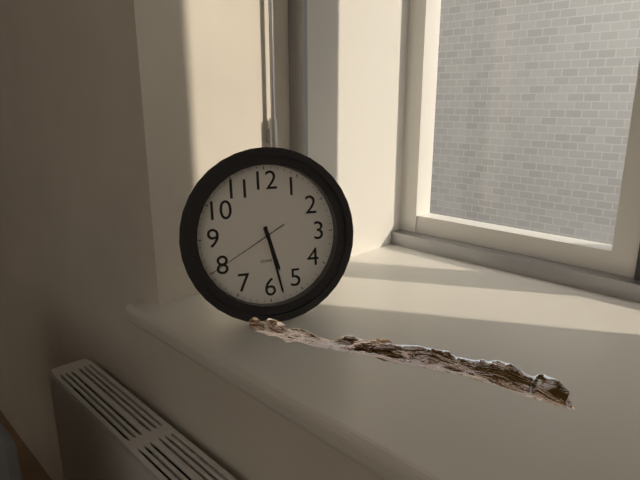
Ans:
5.28.40
